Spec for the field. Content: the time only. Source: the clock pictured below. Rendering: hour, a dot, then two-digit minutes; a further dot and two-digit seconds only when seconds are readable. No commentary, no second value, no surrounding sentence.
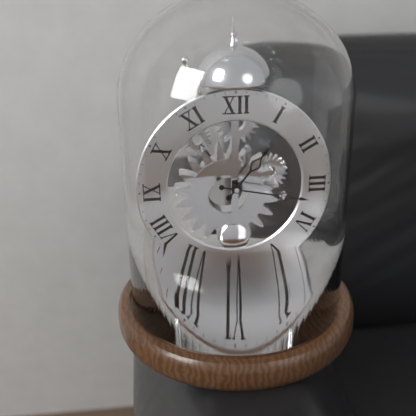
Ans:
1.17
